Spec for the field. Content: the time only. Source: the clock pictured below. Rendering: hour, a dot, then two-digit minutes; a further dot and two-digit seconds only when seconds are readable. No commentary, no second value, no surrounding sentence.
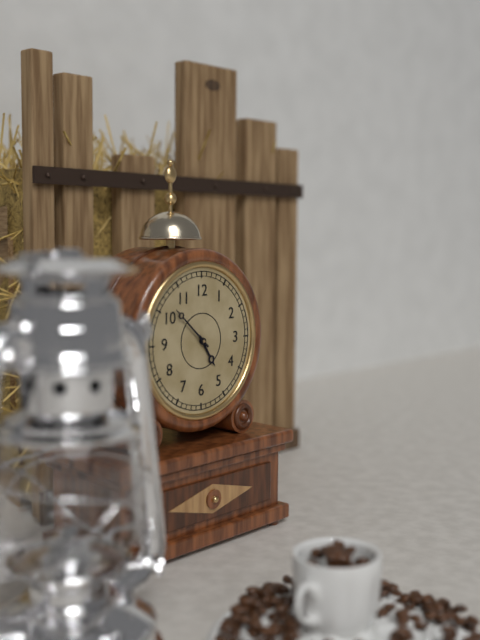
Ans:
4.52
